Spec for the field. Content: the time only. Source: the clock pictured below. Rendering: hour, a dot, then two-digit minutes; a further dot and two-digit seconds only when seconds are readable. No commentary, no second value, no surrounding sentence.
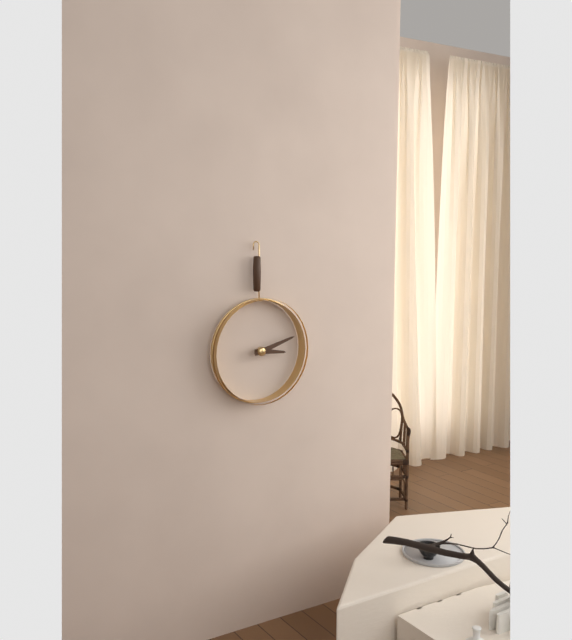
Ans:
3.12
